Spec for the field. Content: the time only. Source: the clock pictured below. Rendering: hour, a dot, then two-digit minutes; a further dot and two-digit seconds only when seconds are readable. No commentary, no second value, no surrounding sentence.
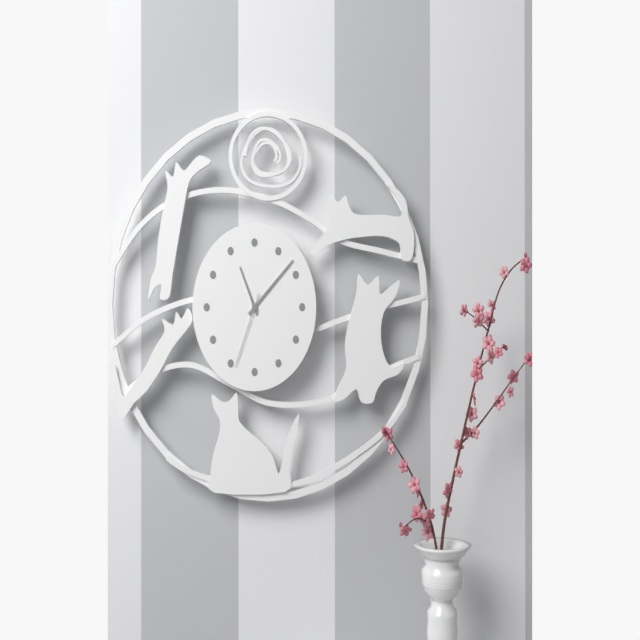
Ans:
11.08.34
